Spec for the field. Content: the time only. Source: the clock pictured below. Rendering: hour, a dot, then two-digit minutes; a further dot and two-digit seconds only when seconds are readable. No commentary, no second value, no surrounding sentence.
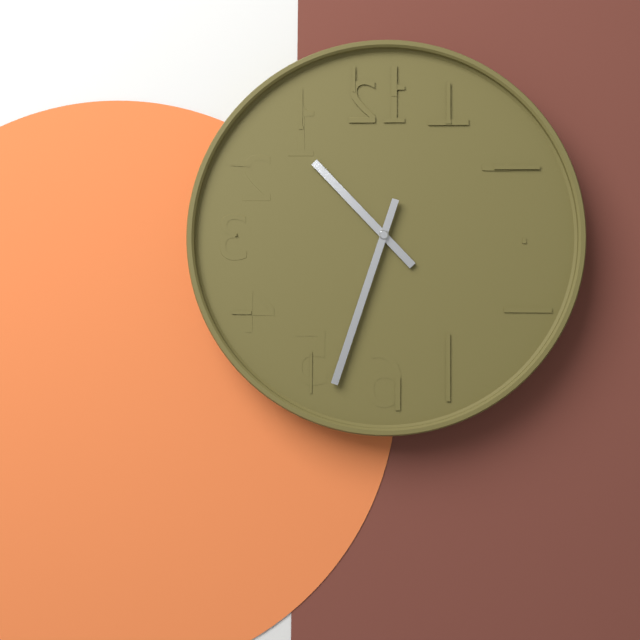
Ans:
10.33
